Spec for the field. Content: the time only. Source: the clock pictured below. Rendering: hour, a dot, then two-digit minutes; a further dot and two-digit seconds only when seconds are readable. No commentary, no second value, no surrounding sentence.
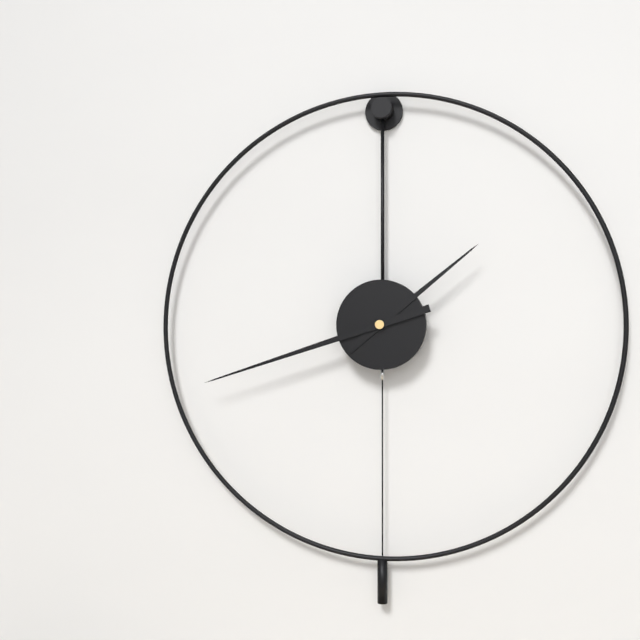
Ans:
1.42
